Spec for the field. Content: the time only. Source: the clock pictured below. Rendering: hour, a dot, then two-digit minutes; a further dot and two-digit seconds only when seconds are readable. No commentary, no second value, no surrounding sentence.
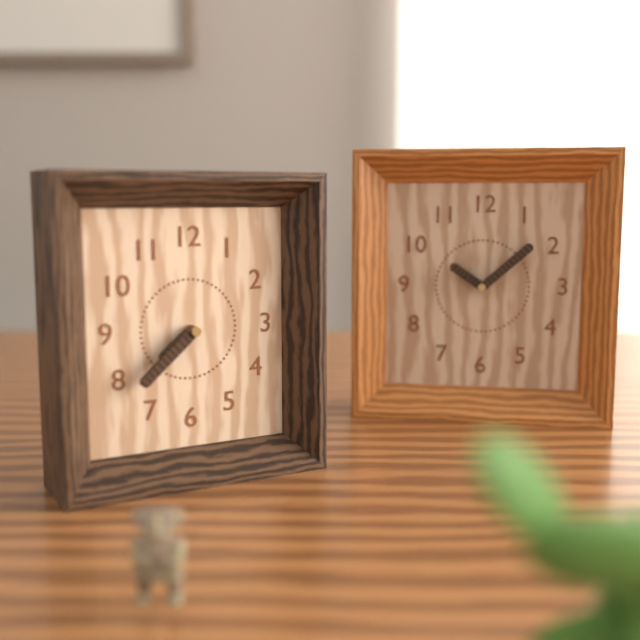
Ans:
7.38
